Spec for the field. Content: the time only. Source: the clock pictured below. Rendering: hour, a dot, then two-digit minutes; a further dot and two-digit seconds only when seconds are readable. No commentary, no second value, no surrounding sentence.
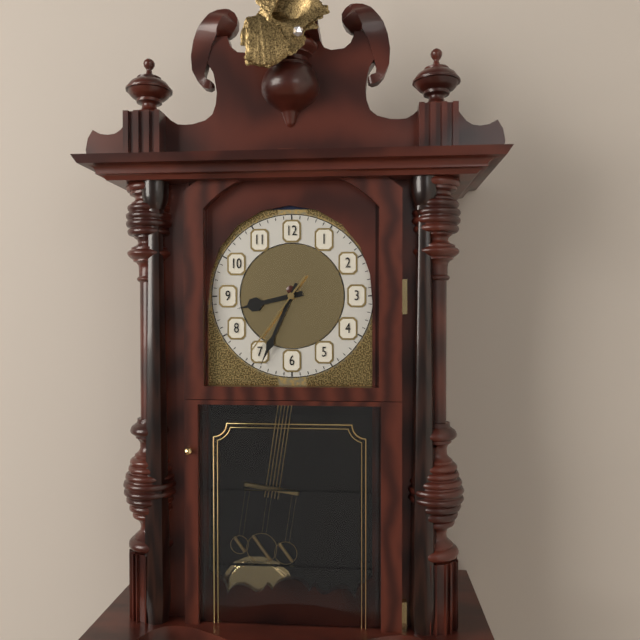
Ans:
8.34.36
